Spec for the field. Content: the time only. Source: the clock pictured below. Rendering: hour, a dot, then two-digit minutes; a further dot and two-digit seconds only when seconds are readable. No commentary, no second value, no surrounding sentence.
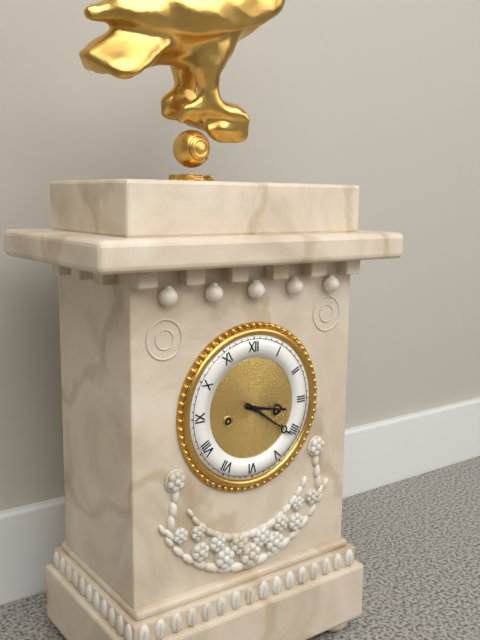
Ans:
3.21
